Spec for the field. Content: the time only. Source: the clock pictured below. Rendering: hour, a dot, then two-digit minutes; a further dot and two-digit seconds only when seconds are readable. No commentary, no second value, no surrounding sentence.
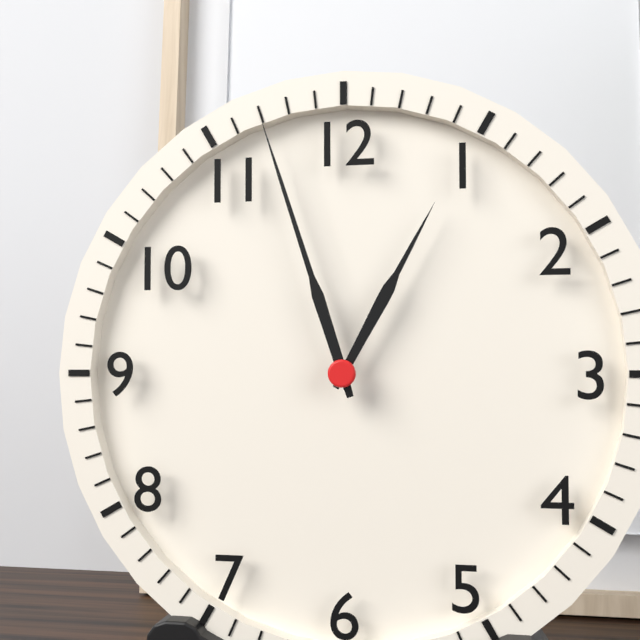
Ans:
12.57
